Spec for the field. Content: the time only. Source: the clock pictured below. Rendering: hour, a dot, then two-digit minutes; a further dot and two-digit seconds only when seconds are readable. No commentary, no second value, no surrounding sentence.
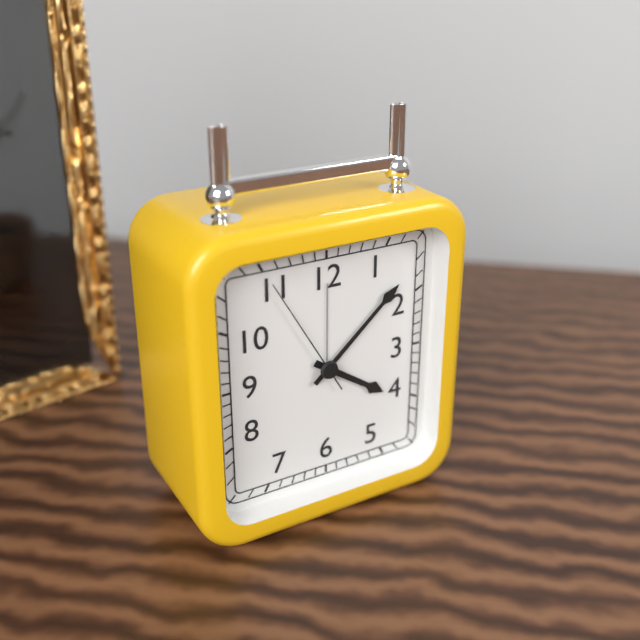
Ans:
4.08.55
